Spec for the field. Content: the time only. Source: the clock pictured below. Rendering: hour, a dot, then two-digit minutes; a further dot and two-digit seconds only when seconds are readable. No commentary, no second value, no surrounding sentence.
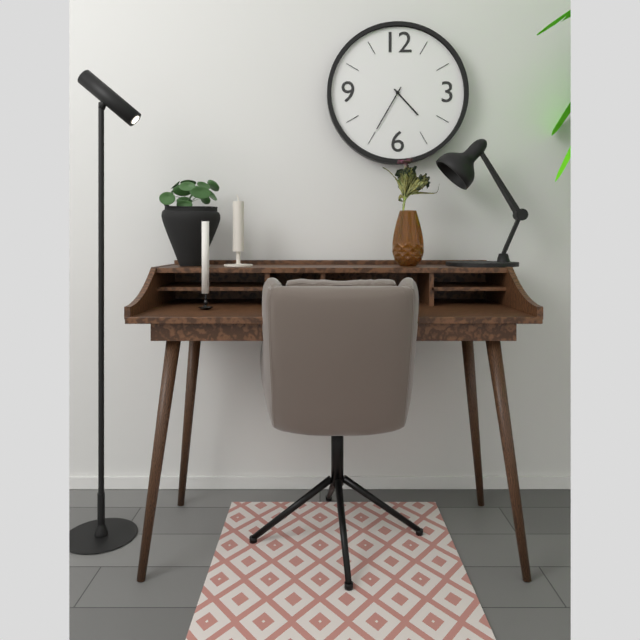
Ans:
4.35
